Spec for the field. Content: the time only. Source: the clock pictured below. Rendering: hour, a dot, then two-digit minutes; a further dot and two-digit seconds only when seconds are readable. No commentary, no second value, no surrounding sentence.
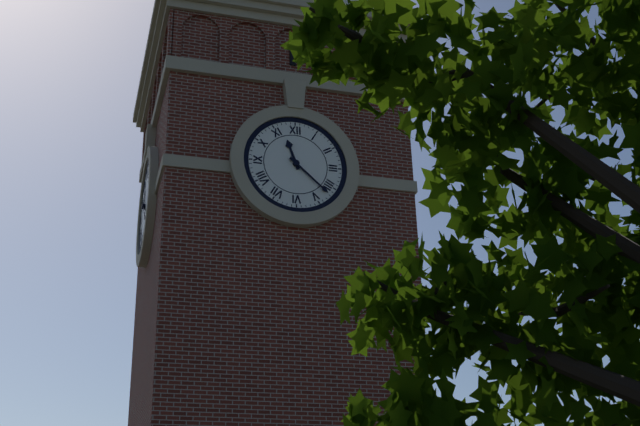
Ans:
11.22
